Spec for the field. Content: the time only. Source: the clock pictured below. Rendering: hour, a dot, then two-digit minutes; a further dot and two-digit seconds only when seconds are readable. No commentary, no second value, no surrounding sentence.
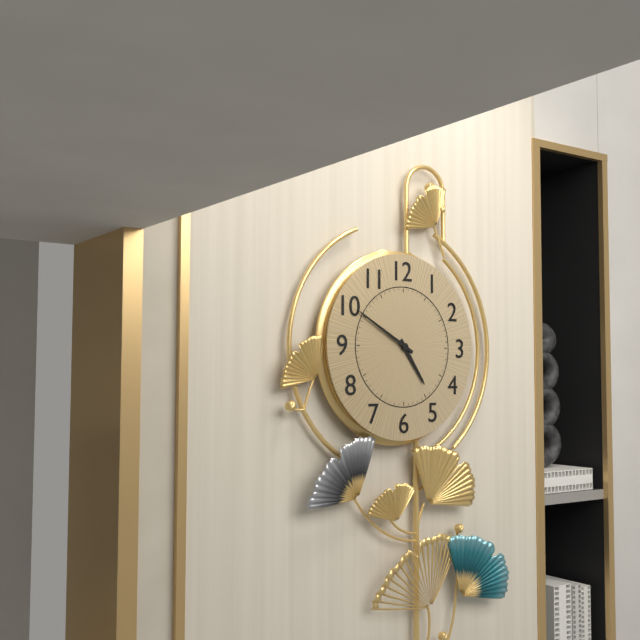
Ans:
4.50
